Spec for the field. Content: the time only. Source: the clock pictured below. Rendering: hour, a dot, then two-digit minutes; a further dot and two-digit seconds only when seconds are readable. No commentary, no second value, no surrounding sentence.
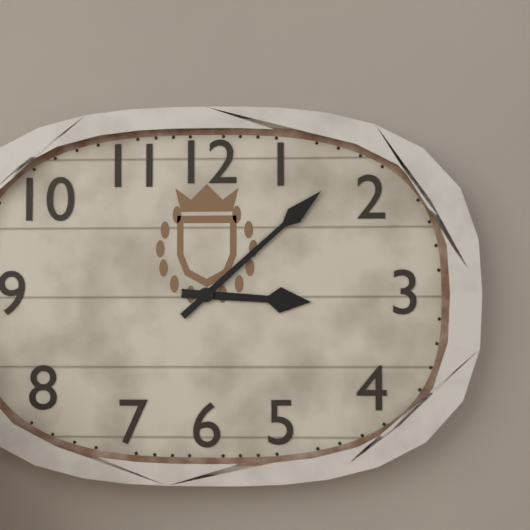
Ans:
3.08
